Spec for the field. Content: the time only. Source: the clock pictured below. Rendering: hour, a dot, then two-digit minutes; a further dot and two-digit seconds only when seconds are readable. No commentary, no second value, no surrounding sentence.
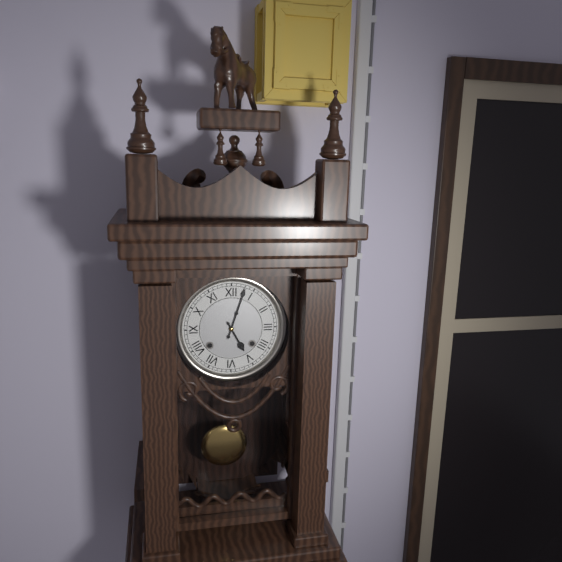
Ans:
5.03
